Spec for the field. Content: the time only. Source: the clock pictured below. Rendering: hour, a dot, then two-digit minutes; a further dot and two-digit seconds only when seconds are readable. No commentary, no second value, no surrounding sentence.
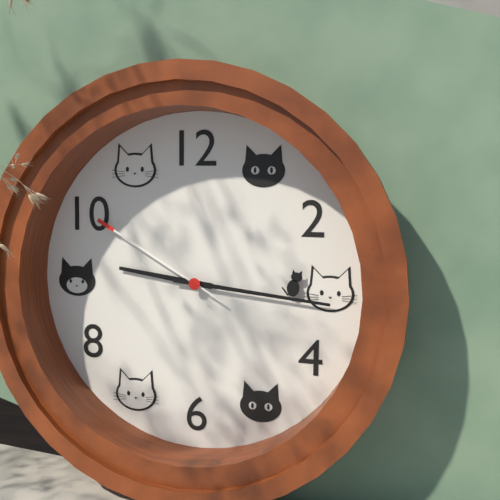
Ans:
9.16.50
